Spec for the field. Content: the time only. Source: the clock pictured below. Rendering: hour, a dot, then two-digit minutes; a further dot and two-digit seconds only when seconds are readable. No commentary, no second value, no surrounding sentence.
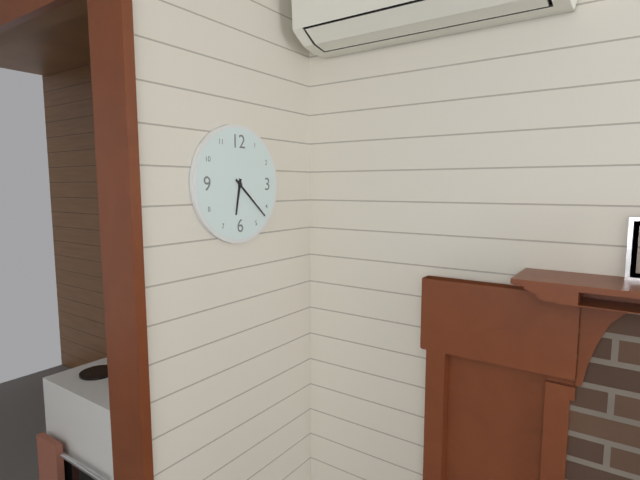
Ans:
6.22
